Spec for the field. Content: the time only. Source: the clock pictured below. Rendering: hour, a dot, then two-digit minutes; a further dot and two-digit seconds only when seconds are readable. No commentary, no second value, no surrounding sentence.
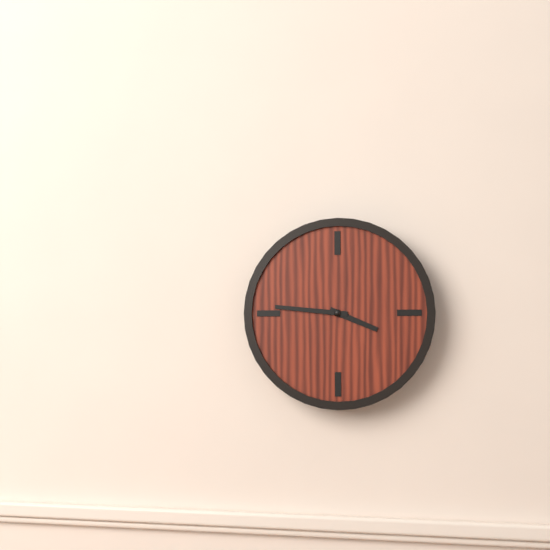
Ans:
3.46
